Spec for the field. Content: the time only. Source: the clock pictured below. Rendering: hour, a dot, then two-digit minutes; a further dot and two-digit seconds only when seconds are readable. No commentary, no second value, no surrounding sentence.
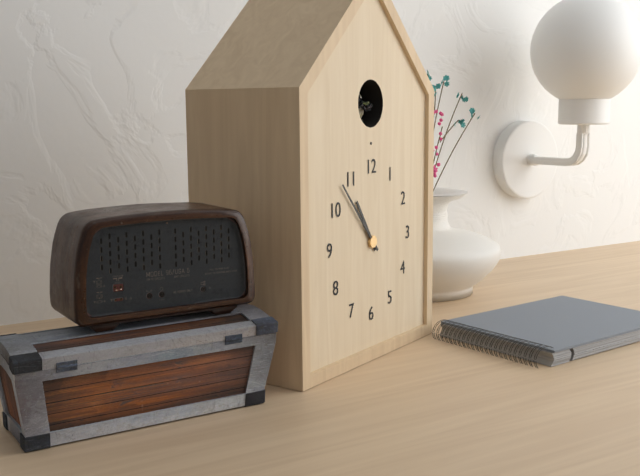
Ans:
10.53
